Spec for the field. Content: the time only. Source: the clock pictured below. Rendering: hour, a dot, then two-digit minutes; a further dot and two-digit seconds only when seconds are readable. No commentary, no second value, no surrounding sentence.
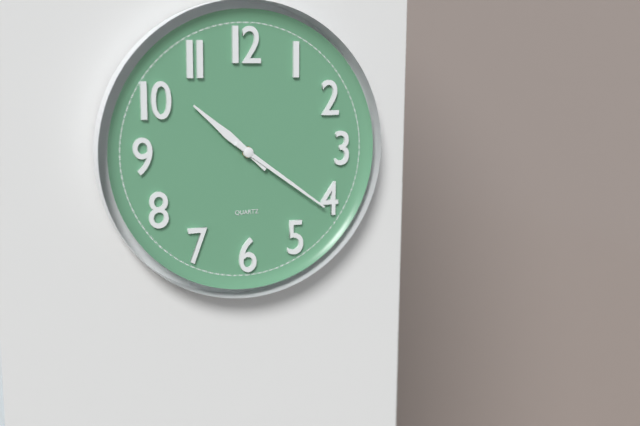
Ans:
10.21
